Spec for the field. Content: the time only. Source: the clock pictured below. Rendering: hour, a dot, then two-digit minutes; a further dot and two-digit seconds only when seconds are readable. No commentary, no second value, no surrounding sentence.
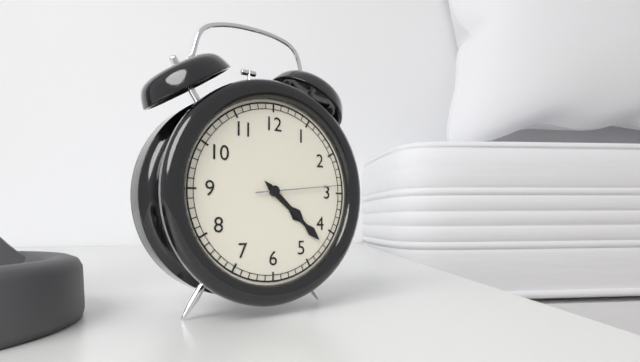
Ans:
4.22.14
